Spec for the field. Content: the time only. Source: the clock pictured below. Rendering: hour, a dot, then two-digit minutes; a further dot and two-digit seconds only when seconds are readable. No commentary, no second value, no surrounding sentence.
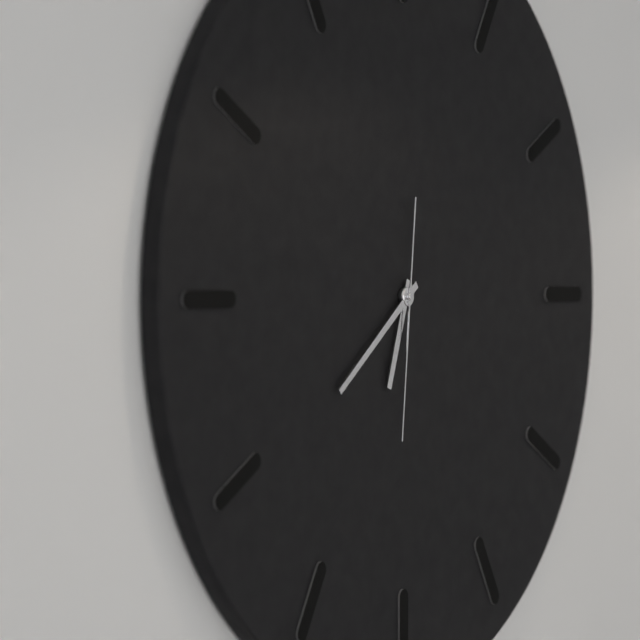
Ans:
6.39.31
